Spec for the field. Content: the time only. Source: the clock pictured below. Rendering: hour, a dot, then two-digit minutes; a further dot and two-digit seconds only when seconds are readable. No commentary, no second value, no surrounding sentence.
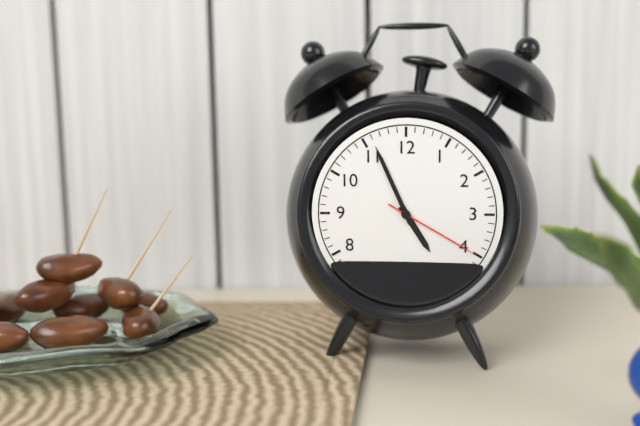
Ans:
4.56.20
